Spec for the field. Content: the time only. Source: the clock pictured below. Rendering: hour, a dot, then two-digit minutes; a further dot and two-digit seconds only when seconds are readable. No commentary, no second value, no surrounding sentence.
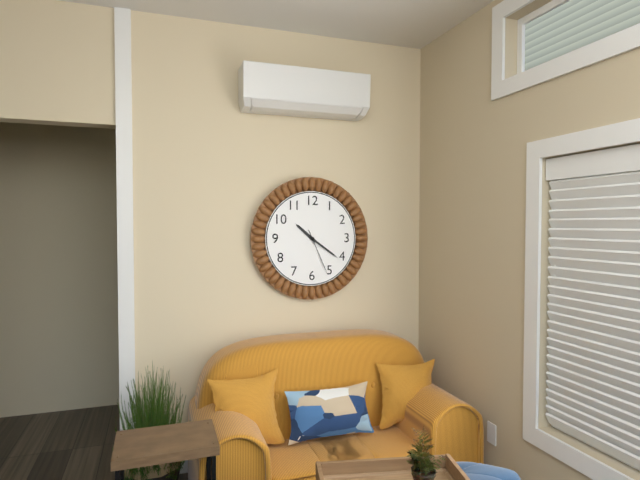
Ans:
10.21
